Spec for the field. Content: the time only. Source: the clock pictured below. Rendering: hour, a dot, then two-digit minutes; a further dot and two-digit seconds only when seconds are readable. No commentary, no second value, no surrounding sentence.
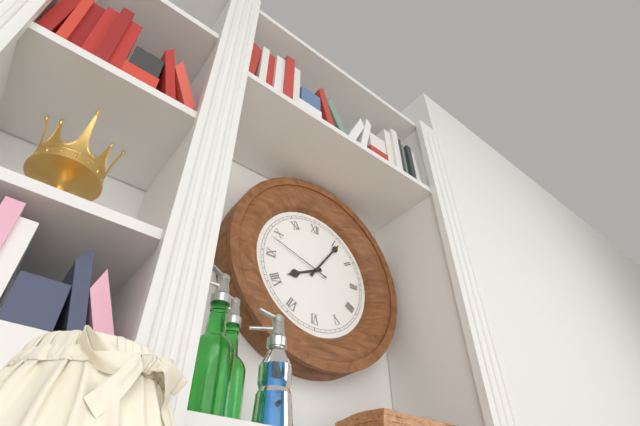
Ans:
8.06.48
